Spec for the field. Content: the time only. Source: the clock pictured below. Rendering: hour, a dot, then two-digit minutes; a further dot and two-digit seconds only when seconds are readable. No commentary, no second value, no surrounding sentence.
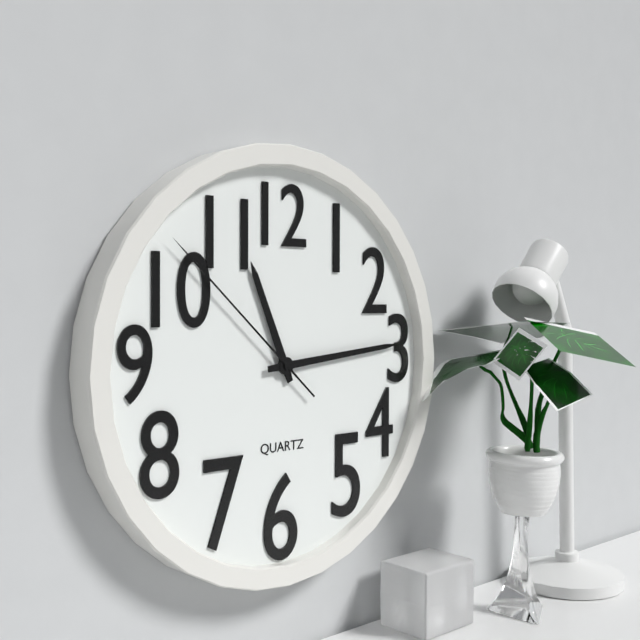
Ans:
11.14.52
